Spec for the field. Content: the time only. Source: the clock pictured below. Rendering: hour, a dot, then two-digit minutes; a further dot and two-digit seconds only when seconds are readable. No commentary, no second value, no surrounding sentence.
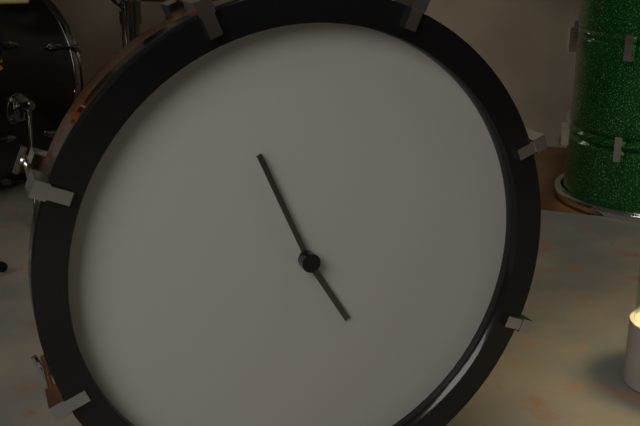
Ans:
4.56
